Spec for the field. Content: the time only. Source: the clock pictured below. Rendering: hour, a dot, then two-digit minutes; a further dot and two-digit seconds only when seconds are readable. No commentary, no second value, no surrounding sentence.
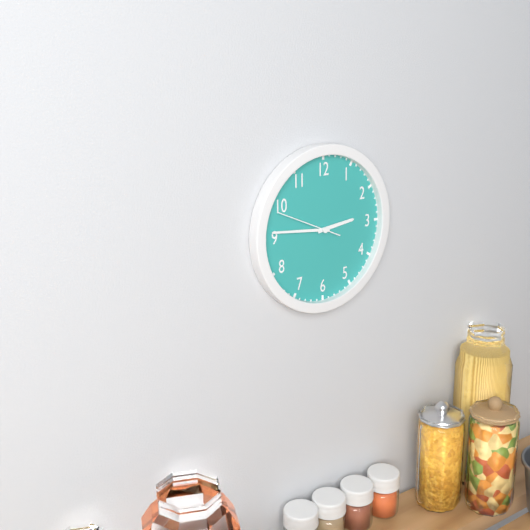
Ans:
2.46.49
